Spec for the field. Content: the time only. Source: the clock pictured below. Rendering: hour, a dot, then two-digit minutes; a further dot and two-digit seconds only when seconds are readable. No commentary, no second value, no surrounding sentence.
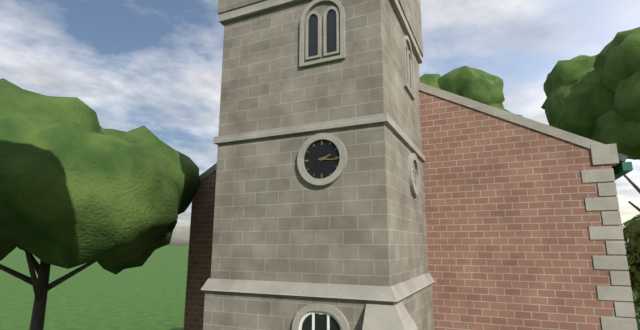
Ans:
2.16
